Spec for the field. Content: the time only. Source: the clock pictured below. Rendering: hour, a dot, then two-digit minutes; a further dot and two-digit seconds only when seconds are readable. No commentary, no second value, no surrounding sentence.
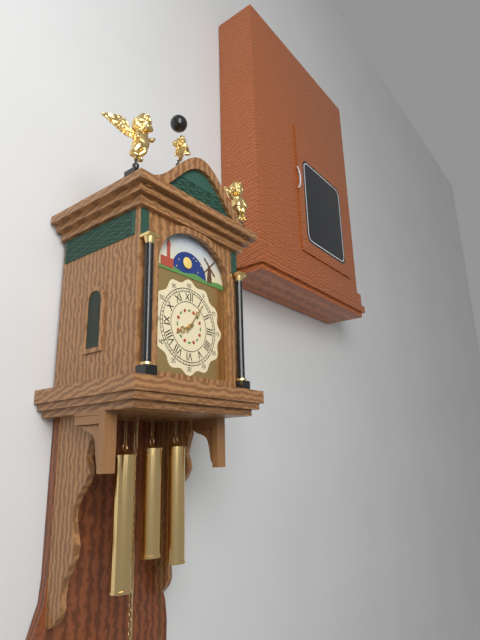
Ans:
8.06
